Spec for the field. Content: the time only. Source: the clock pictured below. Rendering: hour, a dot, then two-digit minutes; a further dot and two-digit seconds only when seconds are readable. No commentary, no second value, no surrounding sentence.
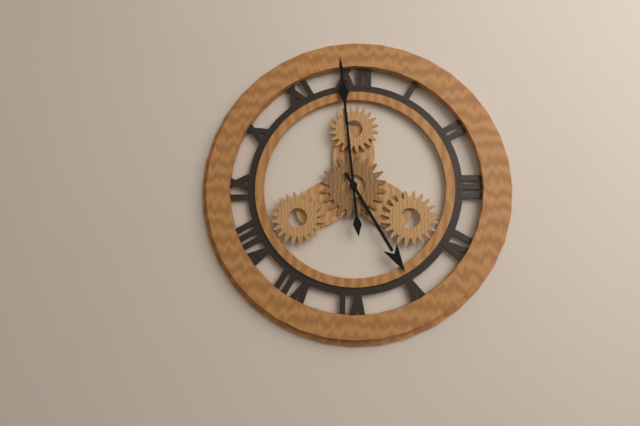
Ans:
4.59
